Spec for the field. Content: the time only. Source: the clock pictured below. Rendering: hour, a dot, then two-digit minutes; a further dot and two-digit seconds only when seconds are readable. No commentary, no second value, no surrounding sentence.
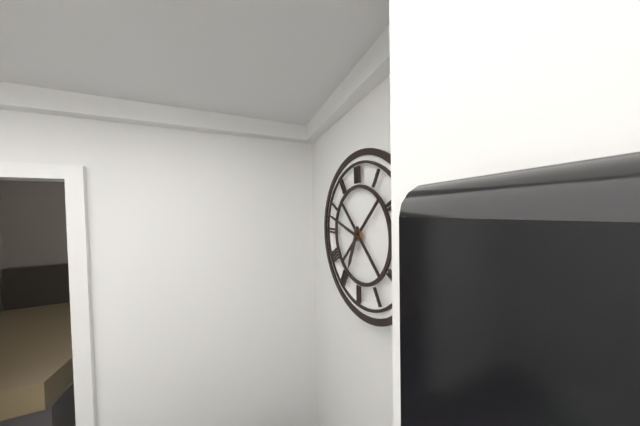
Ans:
6.48
